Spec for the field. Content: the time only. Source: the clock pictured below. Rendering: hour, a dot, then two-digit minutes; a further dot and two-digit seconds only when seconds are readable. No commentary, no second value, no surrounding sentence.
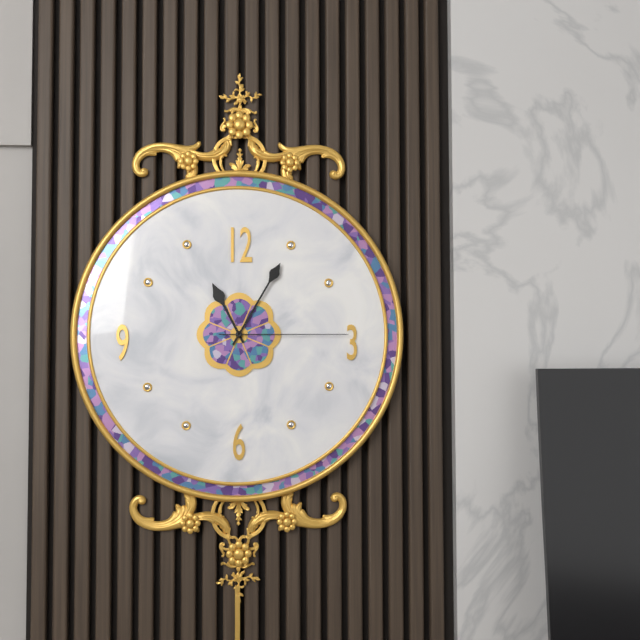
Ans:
11.05.15
